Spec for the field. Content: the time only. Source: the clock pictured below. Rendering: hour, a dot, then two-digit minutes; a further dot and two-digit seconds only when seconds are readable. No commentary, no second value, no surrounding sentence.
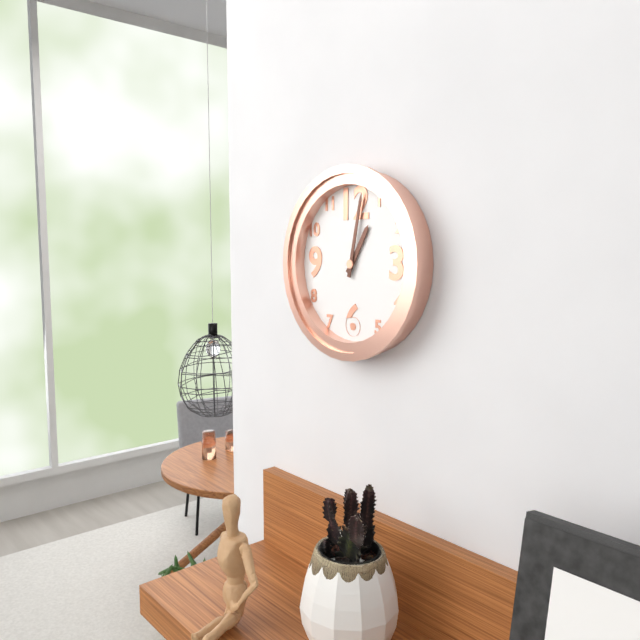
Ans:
1.02
